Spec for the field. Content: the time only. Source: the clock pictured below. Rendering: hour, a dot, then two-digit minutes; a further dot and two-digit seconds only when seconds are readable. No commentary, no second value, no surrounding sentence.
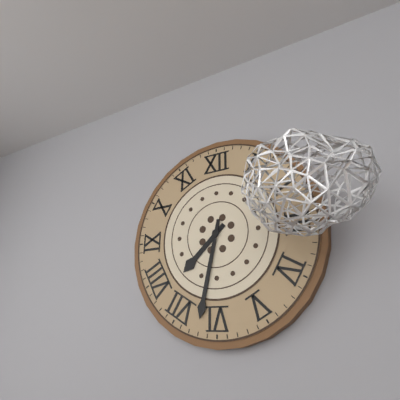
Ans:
7.32
